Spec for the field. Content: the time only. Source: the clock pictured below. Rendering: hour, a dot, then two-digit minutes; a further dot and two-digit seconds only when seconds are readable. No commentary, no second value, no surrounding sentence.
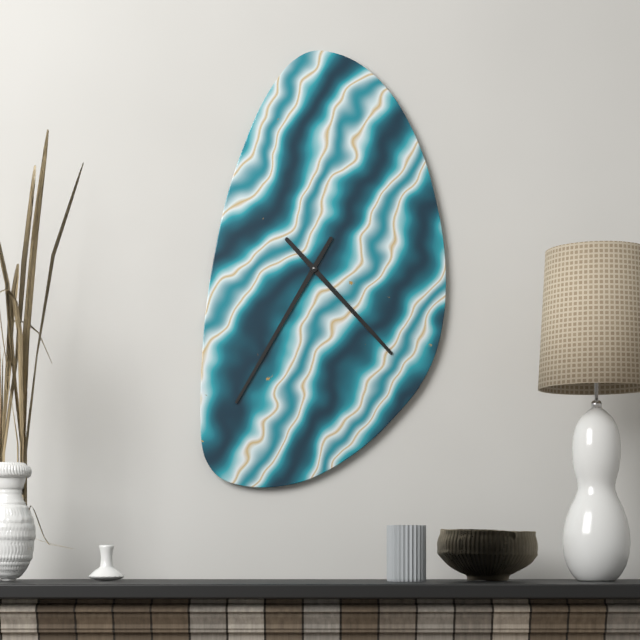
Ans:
4.35
